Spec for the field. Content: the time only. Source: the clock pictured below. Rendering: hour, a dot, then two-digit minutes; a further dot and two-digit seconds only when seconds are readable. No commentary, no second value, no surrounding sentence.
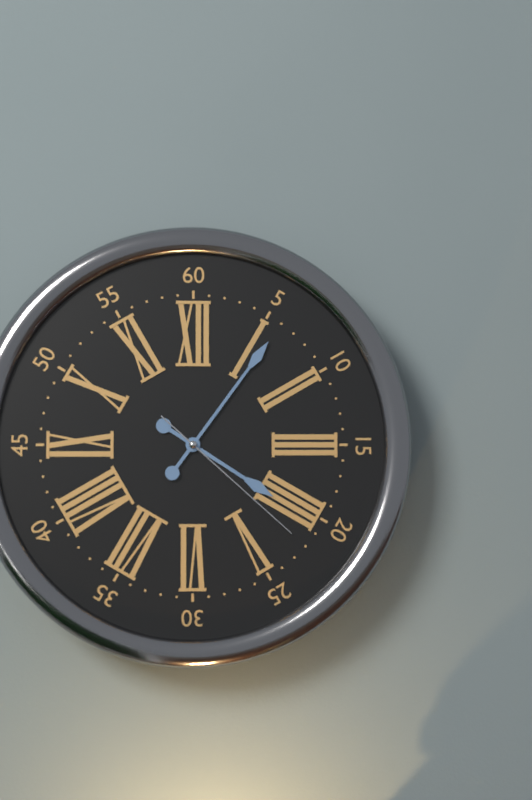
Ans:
4.06.22
